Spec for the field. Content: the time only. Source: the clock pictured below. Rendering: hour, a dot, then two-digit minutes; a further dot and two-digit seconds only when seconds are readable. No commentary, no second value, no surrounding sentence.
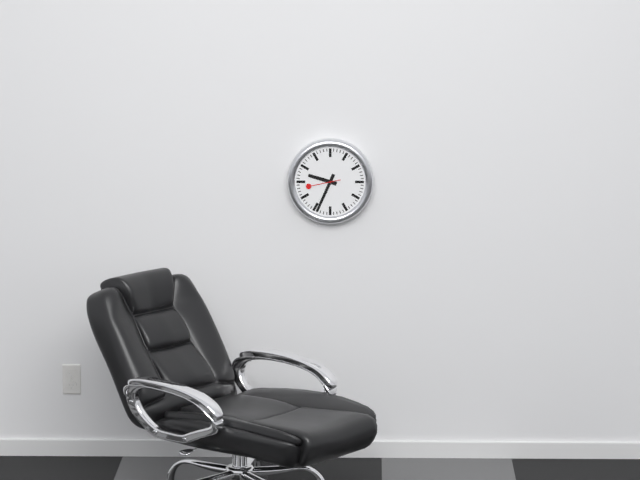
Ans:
9.34
